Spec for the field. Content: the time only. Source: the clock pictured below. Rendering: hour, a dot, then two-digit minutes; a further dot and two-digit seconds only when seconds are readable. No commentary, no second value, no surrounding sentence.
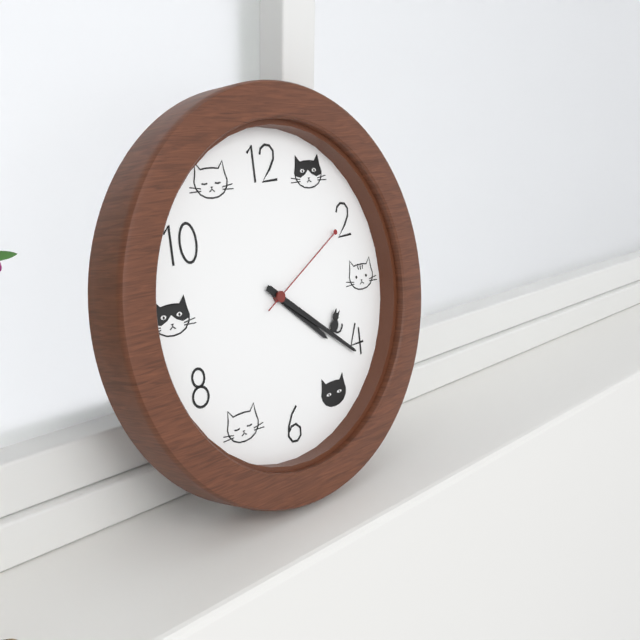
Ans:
4.21.10
